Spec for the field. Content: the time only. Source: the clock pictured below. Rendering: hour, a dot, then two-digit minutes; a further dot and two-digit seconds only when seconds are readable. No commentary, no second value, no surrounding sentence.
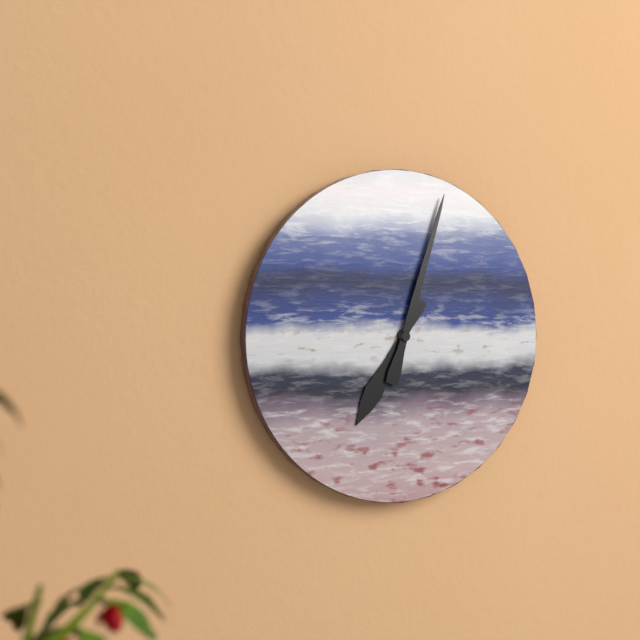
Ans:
7.03
